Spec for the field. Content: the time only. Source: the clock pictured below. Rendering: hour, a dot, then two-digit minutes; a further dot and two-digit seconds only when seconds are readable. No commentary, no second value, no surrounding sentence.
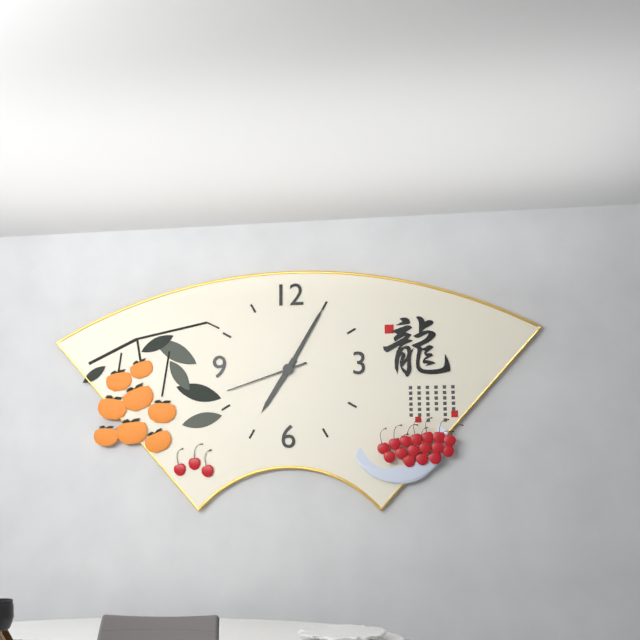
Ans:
7.05.42
